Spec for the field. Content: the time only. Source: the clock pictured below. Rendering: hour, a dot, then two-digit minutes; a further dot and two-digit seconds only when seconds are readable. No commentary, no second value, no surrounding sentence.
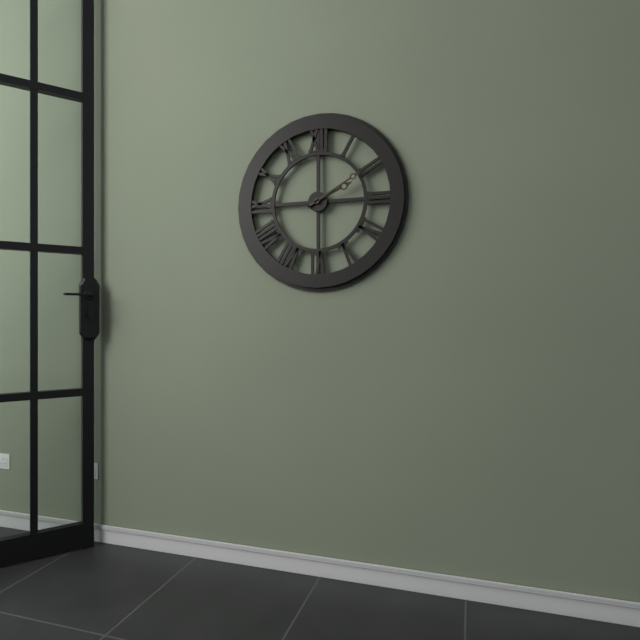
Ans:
2.10
